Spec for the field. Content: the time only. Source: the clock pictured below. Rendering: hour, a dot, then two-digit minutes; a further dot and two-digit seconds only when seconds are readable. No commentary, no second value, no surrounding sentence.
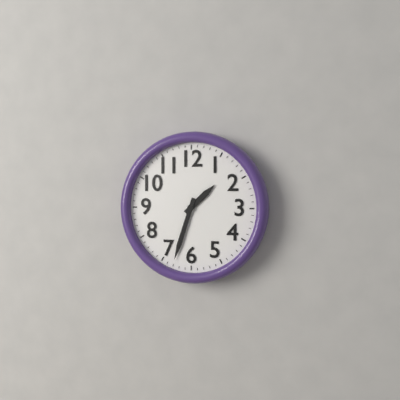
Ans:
1.33
